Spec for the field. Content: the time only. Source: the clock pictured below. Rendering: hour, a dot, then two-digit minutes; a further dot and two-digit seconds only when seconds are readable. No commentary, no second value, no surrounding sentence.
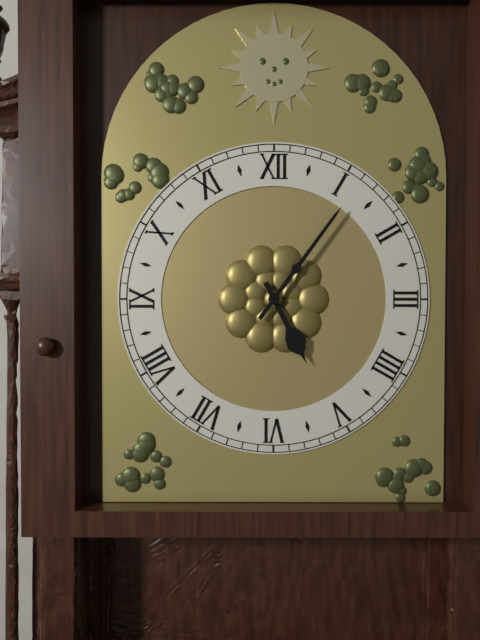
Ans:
5.06
